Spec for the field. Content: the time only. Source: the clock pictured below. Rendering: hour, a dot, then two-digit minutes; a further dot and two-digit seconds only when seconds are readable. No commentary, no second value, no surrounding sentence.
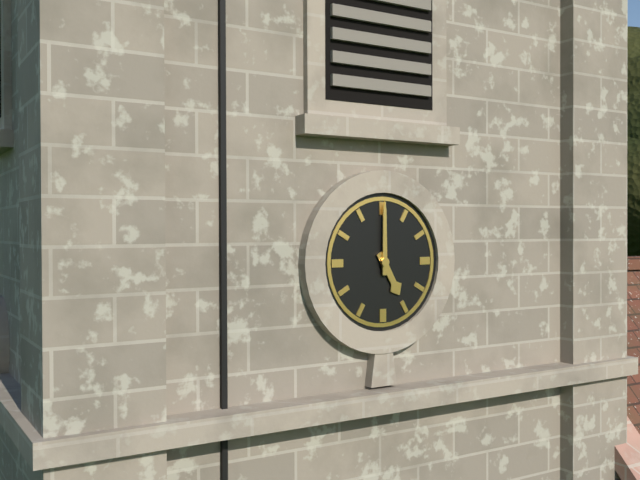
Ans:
5.00
